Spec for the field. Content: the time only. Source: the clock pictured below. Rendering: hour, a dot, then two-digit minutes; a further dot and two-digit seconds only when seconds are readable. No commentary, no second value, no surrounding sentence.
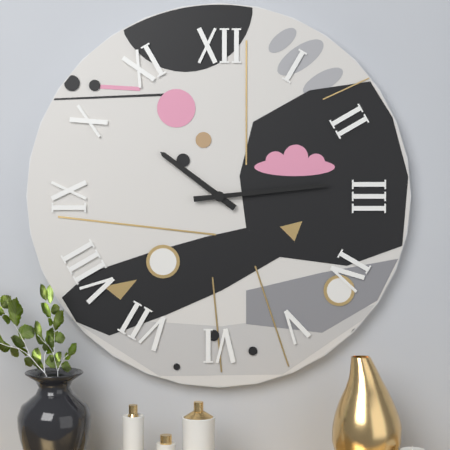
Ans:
10.14
